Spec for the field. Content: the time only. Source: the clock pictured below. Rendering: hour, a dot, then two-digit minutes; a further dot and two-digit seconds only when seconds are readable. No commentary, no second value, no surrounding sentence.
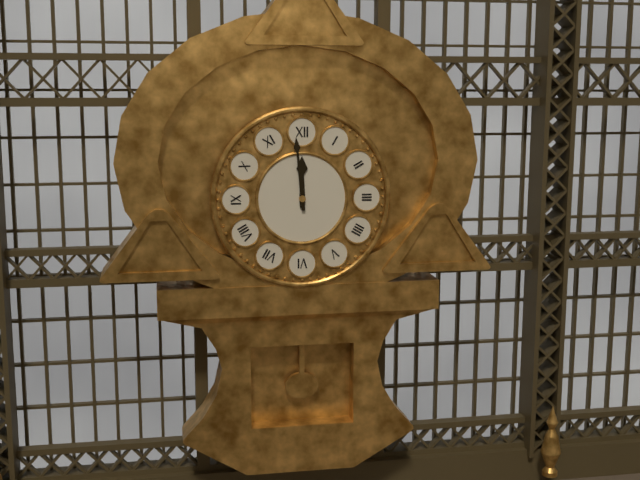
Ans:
11.59
